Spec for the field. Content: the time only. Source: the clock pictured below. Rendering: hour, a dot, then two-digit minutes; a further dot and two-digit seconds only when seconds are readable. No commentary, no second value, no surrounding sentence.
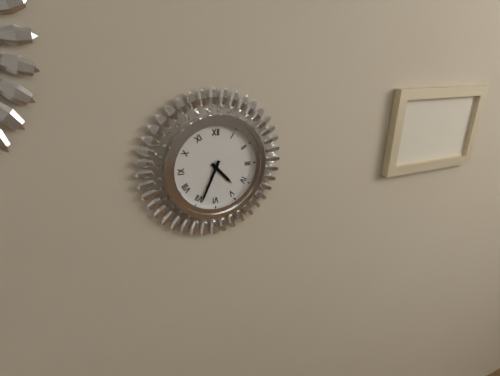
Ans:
4.34
